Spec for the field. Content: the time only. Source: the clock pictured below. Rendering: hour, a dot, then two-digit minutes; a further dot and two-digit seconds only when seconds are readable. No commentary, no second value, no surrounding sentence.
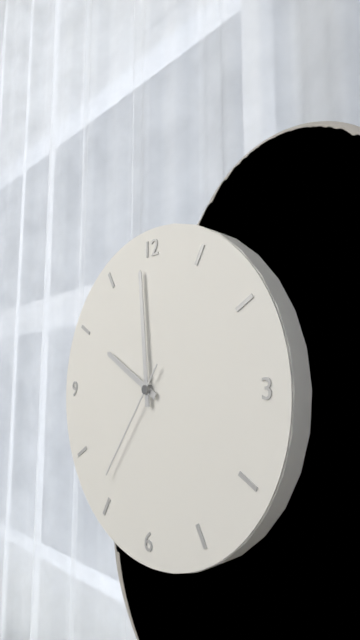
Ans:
9.59.36
